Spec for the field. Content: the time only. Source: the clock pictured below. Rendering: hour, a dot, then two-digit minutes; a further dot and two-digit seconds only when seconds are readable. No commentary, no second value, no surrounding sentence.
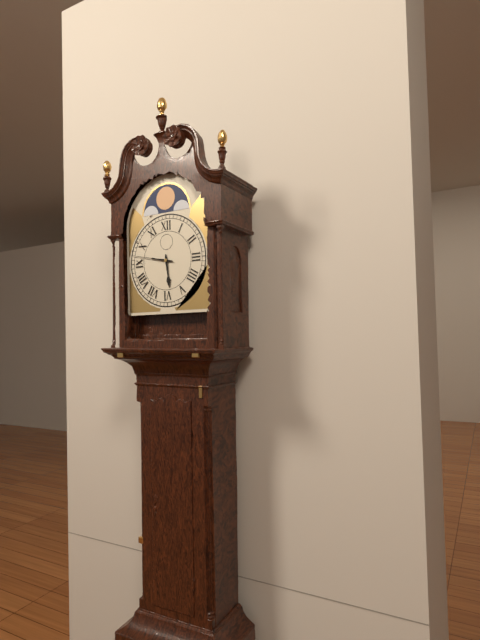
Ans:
5.47
